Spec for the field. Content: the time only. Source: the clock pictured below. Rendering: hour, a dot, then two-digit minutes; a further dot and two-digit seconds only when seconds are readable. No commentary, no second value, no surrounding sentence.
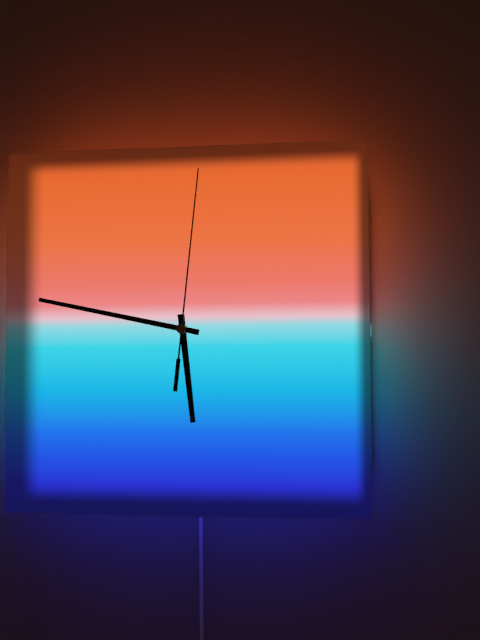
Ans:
5.47.01
